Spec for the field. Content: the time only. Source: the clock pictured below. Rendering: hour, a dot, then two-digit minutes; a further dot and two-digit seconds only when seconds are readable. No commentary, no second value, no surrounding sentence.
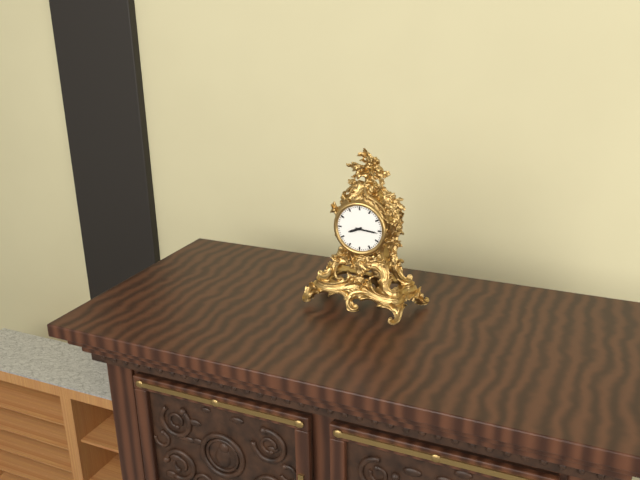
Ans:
8.16
